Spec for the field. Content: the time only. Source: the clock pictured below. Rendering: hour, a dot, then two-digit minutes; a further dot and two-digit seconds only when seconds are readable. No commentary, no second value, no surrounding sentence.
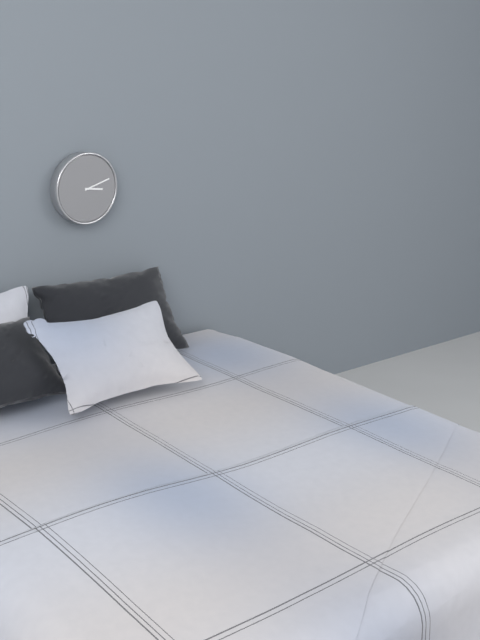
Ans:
3.12
